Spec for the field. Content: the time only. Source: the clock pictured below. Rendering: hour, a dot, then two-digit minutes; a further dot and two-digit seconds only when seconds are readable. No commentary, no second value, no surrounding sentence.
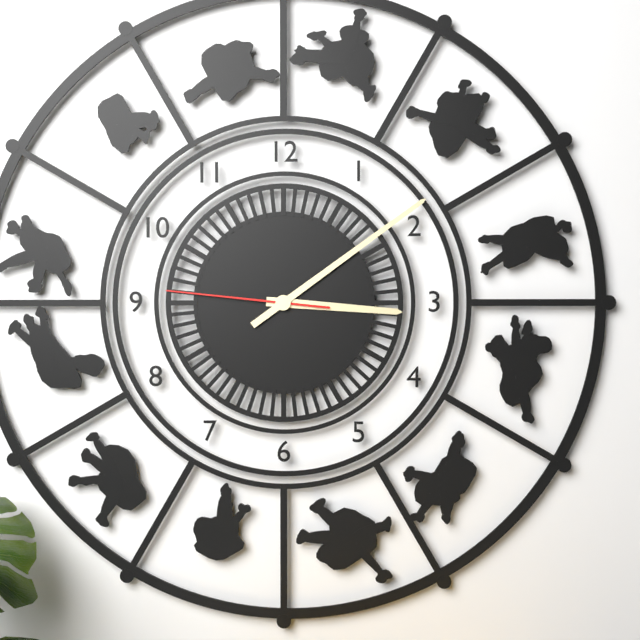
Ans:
3.09.46
